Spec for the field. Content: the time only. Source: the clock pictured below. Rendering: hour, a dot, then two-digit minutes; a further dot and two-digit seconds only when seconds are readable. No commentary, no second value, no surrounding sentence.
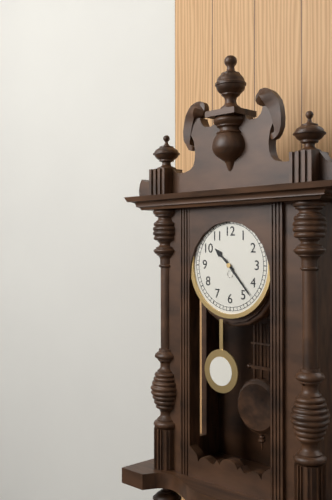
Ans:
10.23
